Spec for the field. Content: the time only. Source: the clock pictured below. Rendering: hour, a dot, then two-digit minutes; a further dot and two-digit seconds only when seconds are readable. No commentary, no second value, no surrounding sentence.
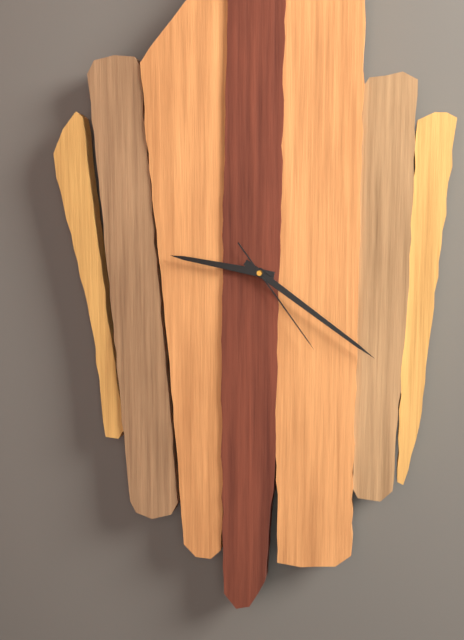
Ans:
9.21.24
